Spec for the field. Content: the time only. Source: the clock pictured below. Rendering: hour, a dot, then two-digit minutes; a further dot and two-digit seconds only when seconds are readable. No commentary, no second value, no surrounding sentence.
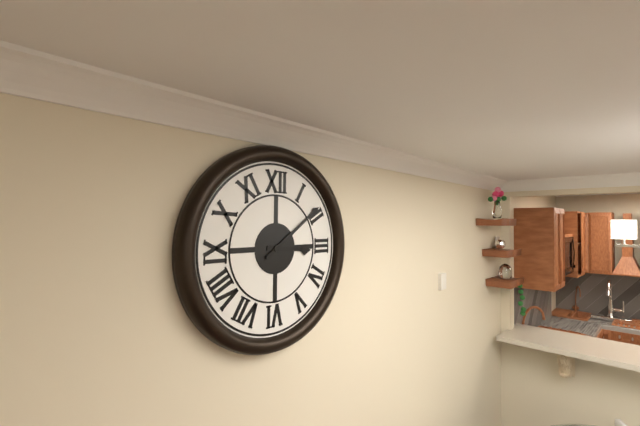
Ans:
3.09
